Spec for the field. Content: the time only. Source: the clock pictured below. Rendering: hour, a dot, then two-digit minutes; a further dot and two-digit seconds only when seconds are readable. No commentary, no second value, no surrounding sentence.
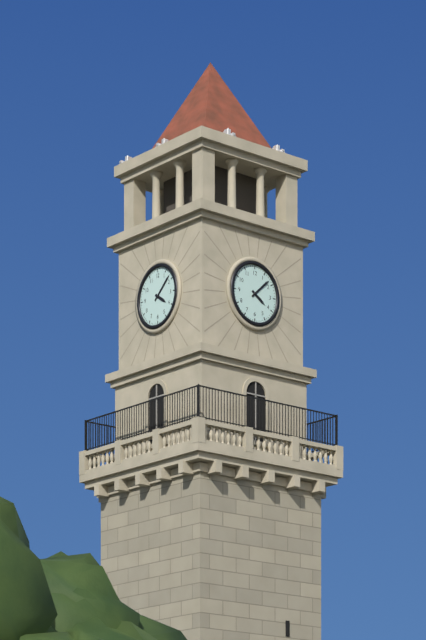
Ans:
4.08
